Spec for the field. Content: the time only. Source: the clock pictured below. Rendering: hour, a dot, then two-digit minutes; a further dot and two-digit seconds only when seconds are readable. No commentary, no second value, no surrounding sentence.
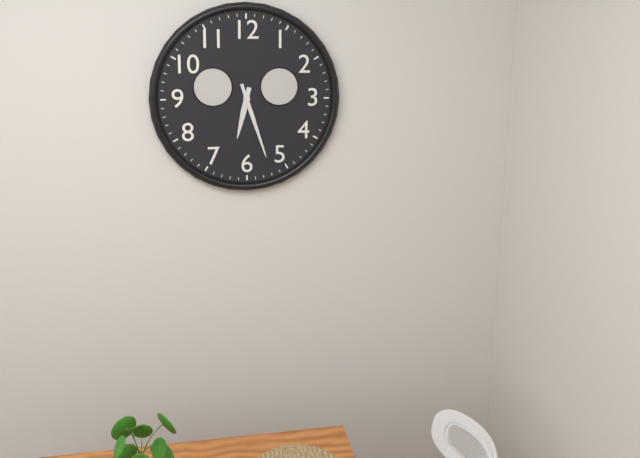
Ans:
6.27
